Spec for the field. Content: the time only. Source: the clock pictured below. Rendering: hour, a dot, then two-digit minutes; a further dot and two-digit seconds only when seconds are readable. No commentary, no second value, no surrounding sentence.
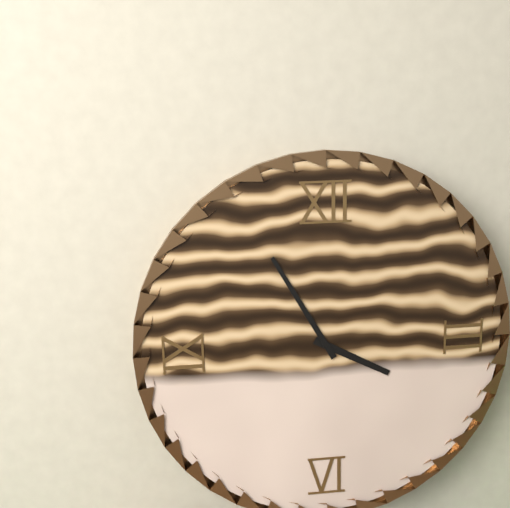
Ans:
3.55
